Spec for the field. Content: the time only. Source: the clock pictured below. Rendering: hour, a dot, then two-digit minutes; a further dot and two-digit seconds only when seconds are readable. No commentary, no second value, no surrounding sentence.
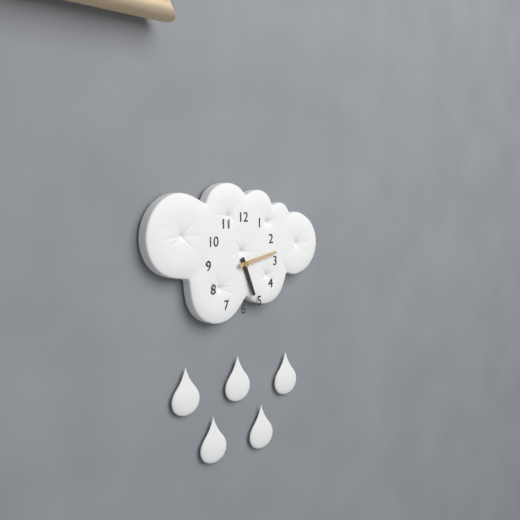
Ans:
5.13
